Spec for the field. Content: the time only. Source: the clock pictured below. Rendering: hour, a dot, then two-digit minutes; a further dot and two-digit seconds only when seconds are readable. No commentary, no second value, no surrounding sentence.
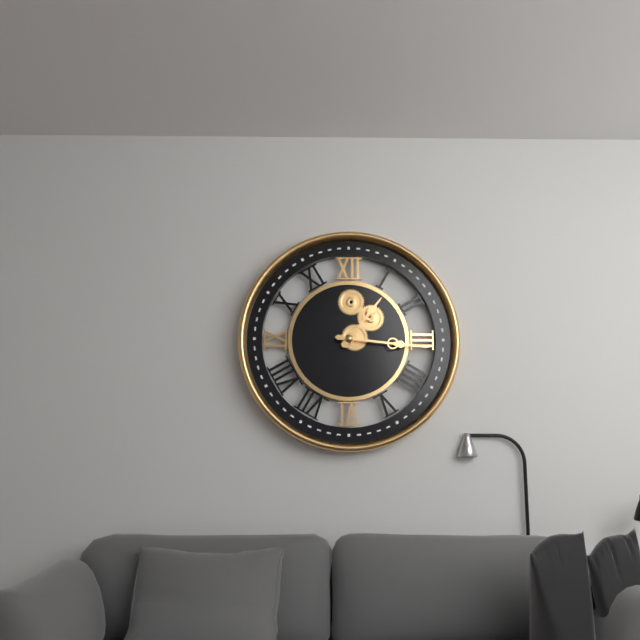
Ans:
1.16
